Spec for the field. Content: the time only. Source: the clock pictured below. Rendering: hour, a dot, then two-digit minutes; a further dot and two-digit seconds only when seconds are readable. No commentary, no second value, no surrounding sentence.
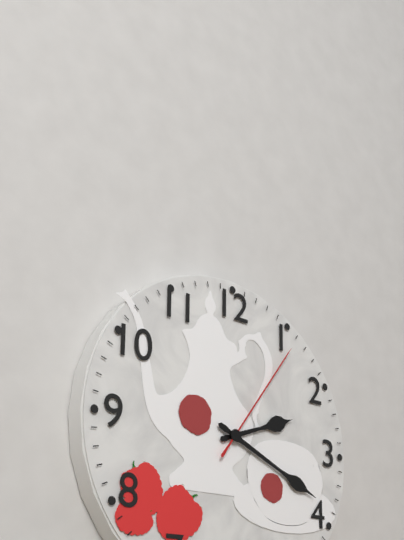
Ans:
2.19.06
